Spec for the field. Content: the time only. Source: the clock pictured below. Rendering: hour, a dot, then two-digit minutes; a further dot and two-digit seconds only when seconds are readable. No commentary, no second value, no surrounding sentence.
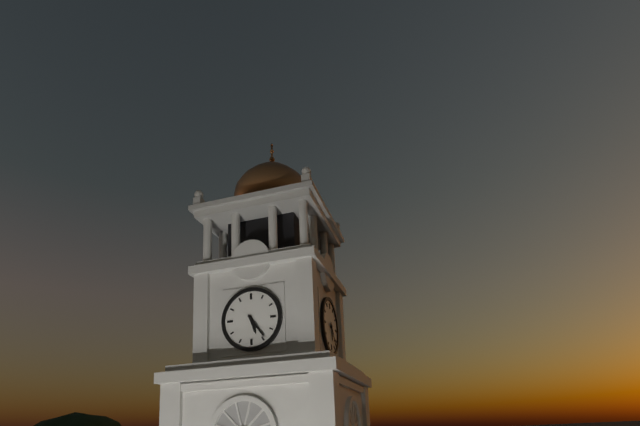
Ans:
5.24
